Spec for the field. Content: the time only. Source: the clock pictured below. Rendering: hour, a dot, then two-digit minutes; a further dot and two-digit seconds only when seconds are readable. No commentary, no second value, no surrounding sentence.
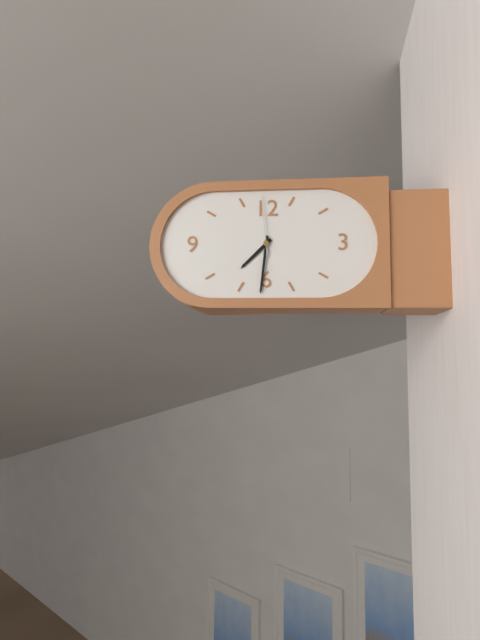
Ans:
7.31.59
